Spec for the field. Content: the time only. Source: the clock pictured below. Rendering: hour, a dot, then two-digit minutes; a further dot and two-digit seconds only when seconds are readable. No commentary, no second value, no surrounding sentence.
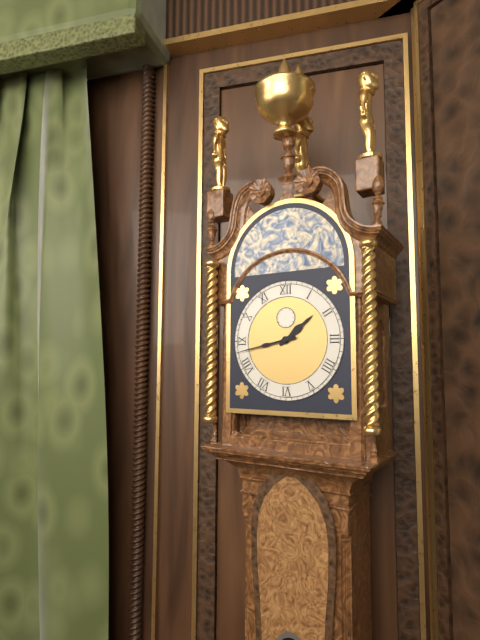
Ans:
1.43
